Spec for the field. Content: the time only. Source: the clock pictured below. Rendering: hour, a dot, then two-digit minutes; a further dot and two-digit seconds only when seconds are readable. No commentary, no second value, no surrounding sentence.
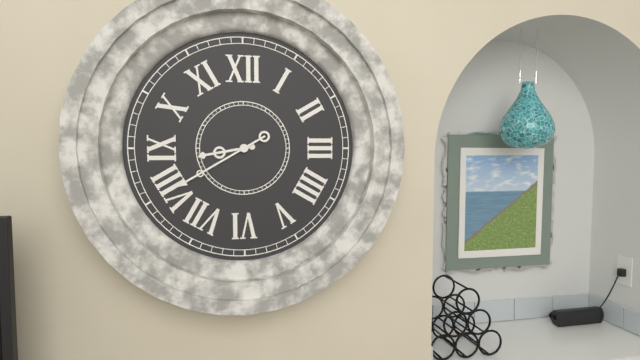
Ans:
8.40
